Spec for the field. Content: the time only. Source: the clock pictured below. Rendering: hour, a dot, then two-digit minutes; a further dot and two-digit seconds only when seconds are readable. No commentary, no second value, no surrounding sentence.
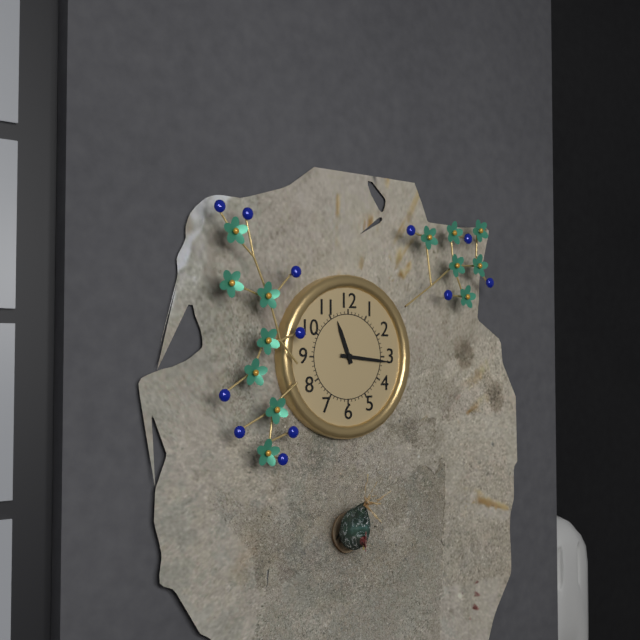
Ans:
11.16
